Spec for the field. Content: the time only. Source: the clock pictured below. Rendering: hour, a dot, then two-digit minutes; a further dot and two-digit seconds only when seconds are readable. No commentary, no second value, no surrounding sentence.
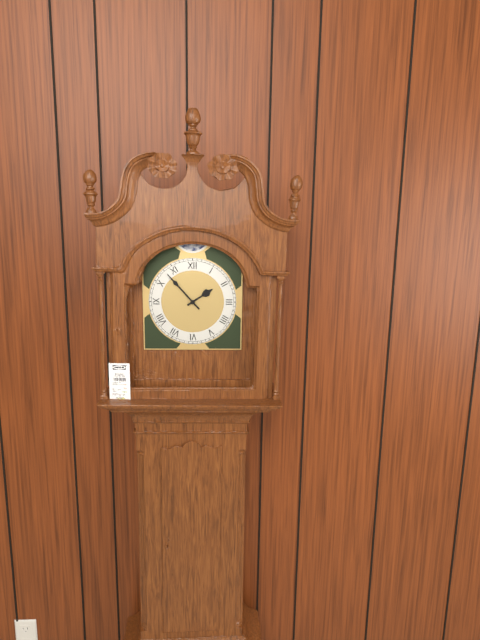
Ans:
1.53
